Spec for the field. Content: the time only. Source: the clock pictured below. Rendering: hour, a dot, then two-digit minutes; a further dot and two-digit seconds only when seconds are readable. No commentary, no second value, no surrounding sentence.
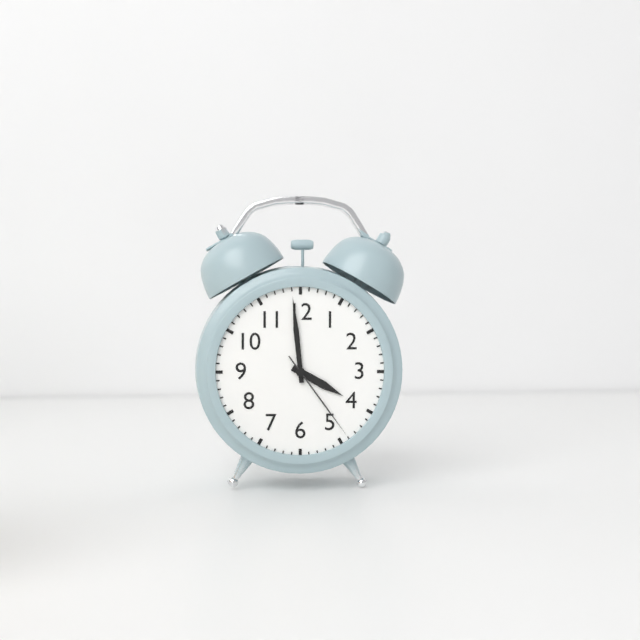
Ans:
3.59.24
